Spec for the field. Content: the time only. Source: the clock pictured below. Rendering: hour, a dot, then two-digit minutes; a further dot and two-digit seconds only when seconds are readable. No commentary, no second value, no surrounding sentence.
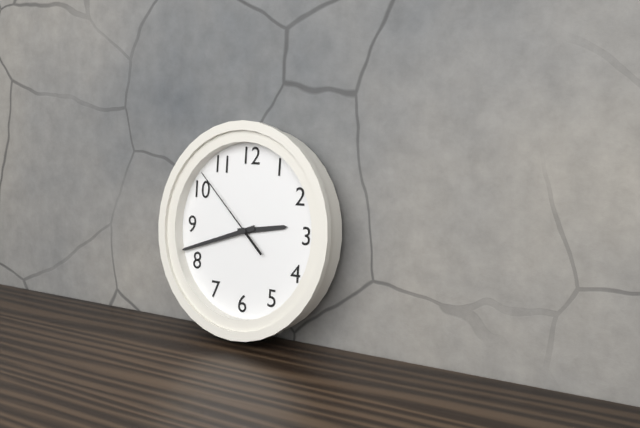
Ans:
2.42.52
